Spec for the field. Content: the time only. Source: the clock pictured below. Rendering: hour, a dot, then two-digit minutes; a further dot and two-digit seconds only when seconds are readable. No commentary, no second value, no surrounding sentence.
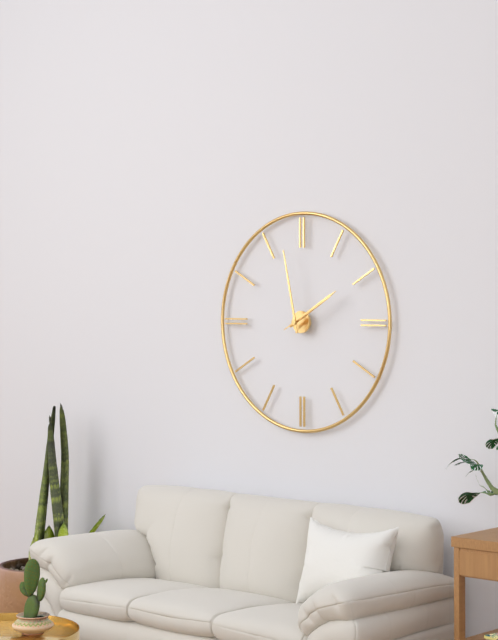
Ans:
1.58.10
